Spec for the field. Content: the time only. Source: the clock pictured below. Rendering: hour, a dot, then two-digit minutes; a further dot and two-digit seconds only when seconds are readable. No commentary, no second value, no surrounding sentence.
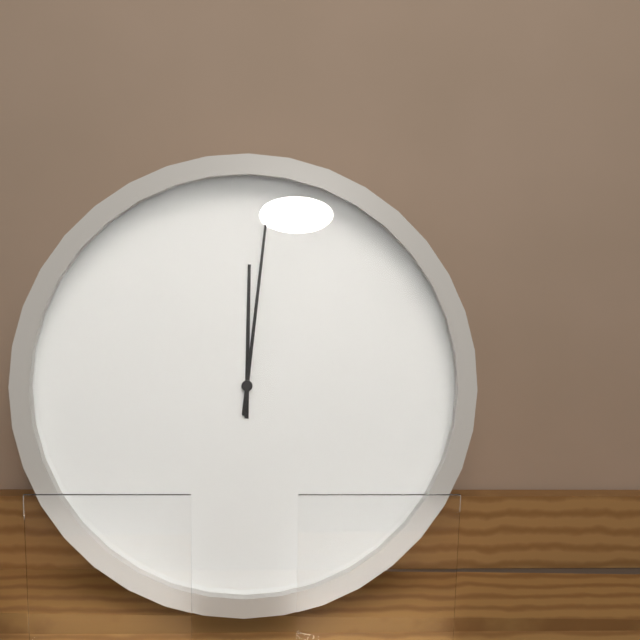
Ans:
12.01
